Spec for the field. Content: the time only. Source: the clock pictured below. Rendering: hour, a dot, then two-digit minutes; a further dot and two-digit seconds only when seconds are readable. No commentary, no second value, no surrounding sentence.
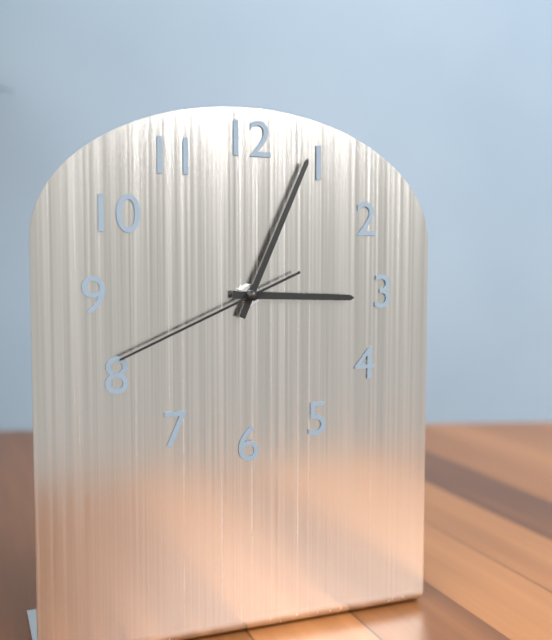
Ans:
3.04.41
